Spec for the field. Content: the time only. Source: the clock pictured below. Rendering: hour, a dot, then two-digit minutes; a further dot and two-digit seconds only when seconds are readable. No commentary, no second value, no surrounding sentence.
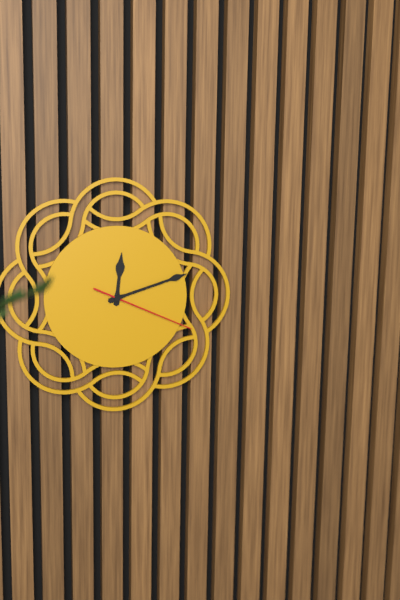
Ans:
12.12.19
